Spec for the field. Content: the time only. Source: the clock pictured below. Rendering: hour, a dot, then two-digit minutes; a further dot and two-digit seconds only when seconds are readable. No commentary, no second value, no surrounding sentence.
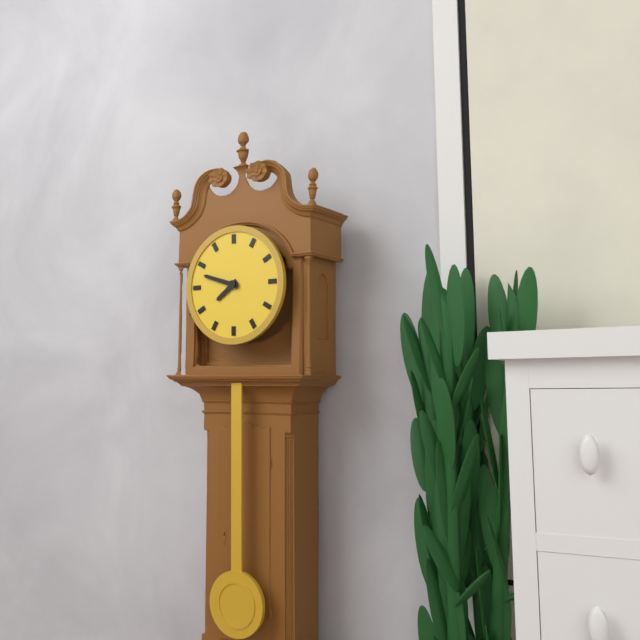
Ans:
7.48
